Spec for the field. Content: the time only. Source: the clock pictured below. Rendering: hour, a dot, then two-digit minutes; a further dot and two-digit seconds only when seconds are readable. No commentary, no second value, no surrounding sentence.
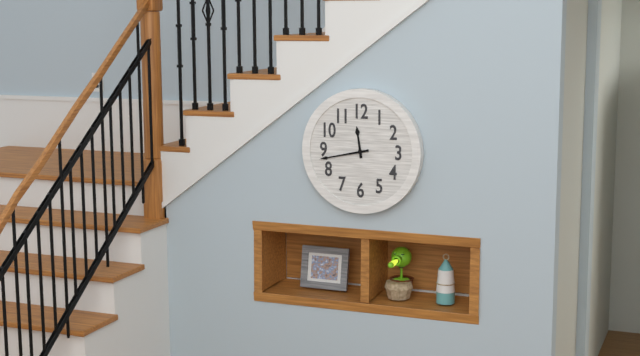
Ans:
11.43
